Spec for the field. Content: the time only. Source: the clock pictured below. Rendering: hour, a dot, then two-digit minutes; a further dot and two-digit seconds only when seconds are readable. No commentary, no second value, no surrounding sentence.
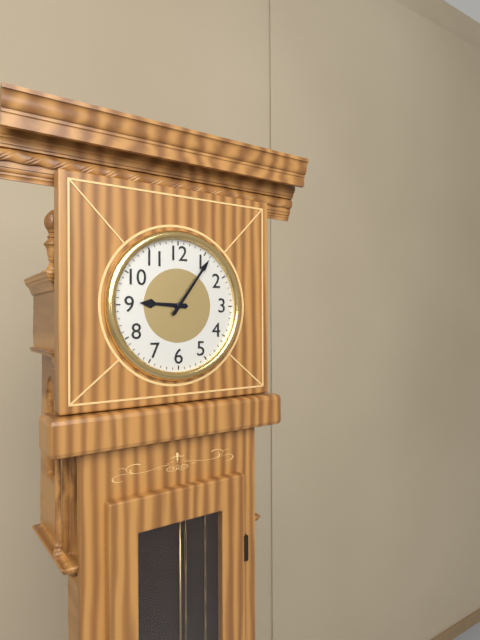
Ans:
9.06
